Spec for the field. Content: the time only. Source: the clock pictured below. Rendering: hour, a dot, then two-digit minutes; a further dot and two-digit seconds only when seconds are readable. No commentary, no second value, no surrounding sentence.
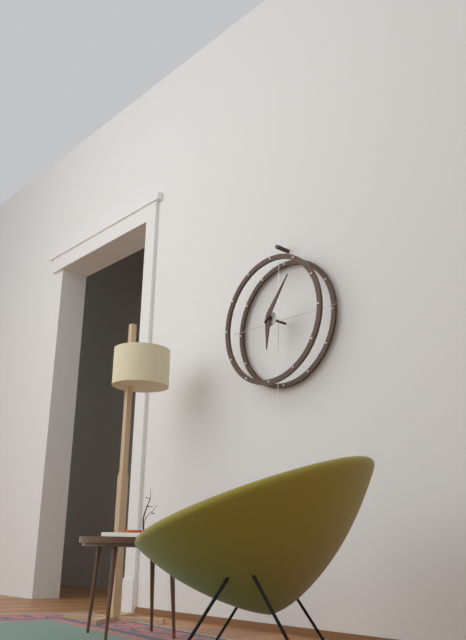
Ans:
6.06
